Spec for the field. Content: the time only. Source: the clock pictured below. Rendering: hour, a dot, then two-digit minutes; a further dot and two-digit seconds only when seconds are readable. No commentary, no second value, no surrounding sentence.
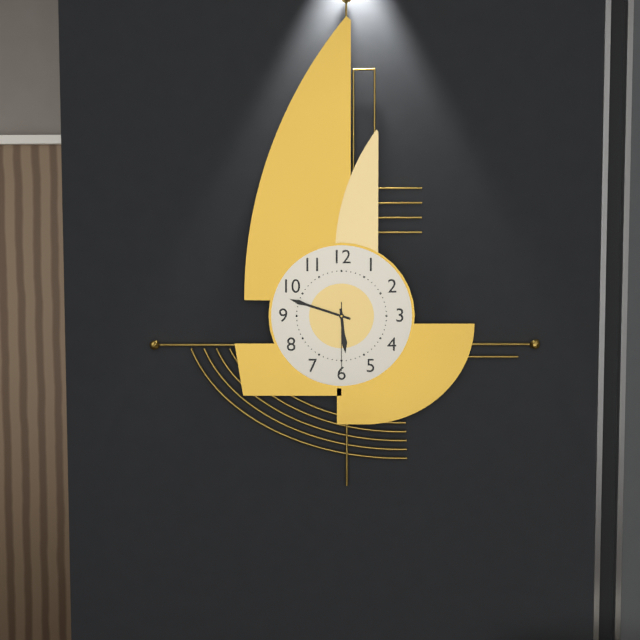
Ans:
5.48.30
